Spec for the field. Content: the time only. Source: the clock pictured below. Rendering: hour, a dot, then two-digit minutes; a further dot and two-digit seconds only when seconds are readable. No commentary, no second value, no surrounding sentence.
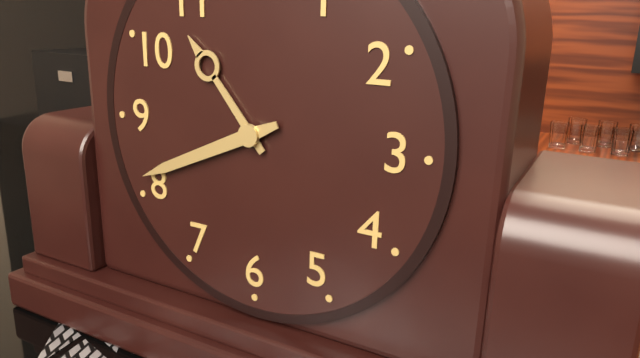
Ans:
10.41
